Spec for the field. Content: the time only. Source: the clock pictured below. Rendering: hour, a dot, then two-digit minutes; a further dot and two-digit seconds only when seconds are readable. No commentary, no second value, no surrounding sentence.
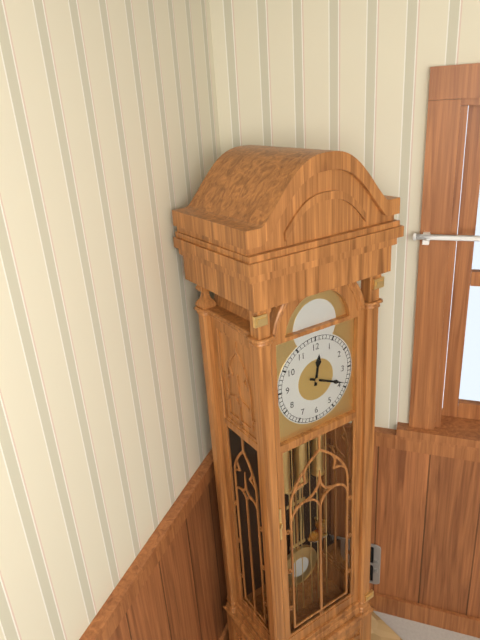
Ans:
12.19
